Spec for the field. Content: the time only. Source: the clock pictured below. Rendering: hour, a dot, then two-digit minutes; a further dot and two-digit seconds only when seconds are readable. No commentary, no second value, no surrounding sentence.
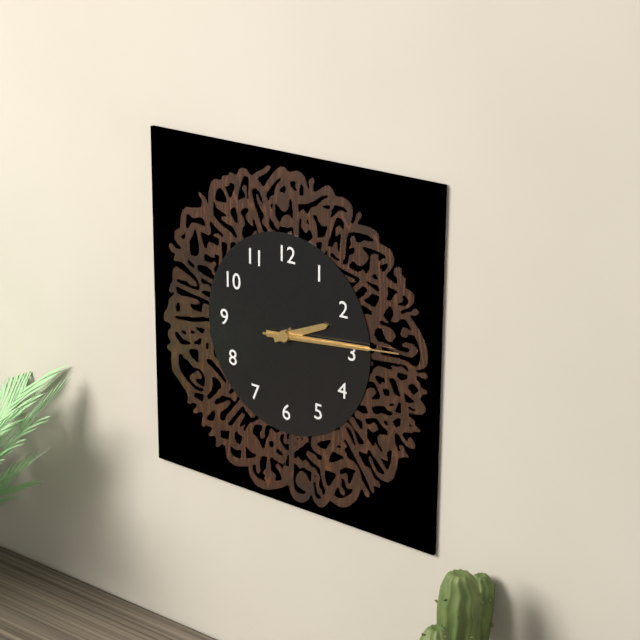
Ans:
2.14.14
